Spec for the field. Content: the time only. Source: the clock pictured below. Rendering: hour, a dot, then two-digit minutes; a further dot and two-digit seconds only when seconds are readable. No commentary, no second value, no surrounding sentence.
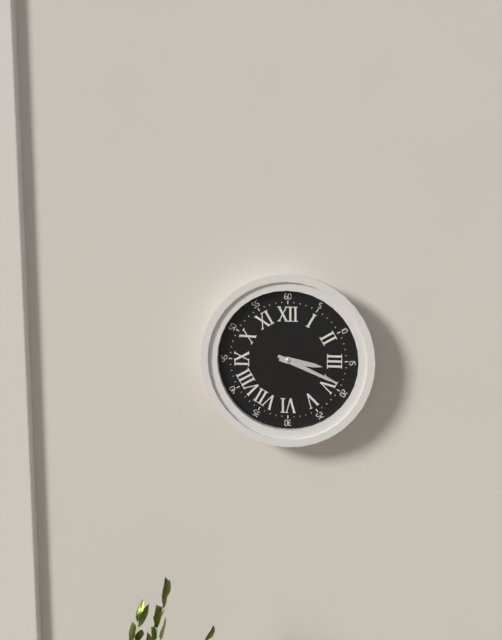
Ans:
3.19
